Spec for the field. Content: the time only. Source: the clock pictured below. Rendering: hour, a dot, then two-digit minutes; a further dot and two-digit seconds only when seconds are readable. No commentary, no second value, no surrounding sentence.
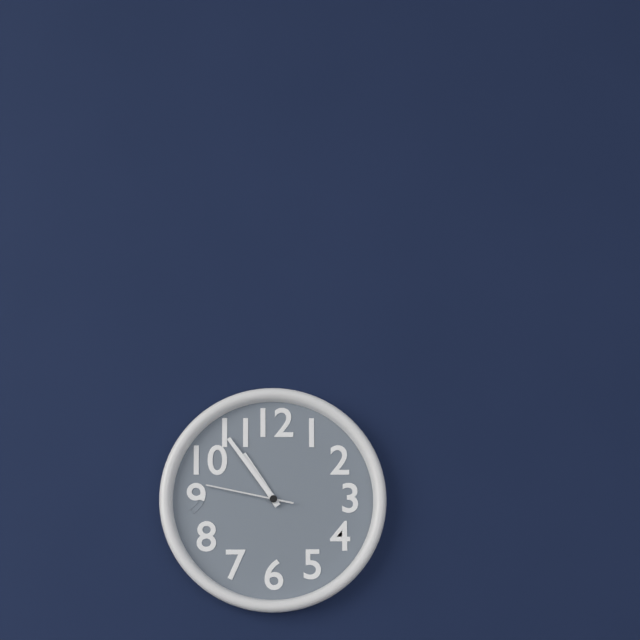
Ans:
10.54.47
